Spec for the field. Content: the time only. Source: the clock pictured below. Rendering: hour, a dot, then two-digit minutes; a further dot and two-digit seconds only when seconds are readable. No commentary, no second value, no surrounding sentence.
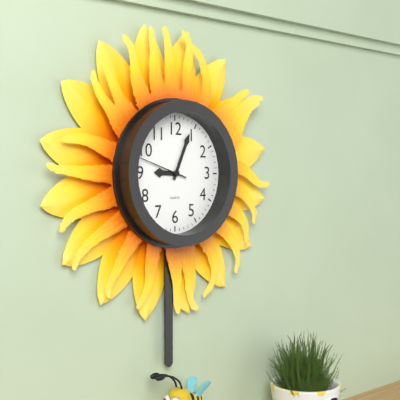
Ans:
9.04.48
